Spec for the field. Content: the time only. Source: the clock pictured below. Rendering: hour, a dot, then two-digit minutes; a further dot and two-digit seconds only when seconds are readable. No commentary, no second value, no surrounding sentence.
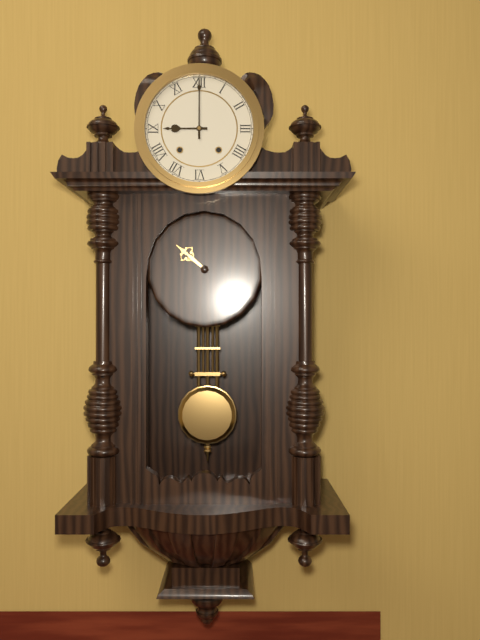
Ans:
9.00
